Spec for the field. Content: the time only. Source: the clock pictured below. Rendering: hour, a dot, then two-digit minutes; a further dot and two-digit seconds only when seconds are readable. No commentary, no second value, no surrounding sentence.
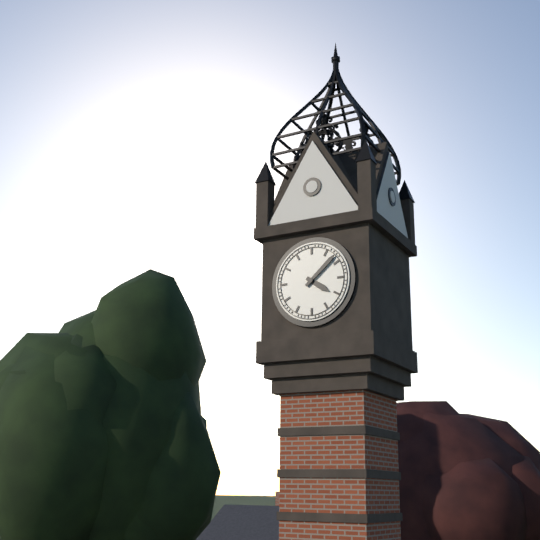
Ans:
4.08
